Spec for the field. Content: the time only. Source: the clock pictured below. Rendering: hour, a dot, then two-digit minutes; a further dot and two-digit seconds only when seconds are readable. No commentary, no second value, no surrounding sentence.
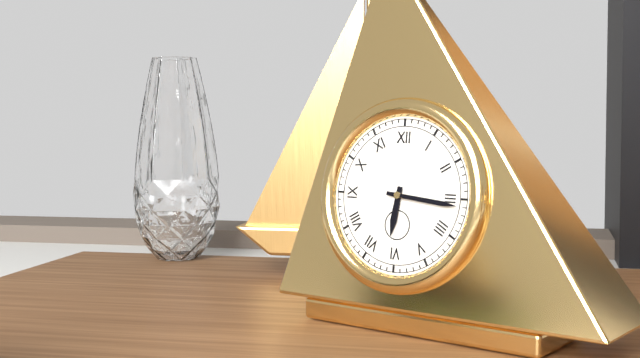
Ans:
6.16
